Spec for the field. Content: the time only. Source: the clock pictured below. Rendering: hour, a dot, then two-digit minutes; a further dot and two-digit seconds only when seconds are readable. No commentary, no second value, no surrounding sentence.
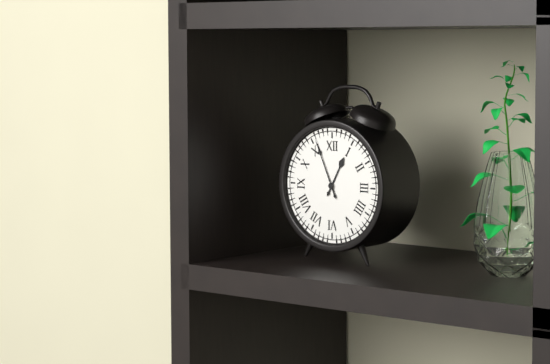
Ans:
12.56
